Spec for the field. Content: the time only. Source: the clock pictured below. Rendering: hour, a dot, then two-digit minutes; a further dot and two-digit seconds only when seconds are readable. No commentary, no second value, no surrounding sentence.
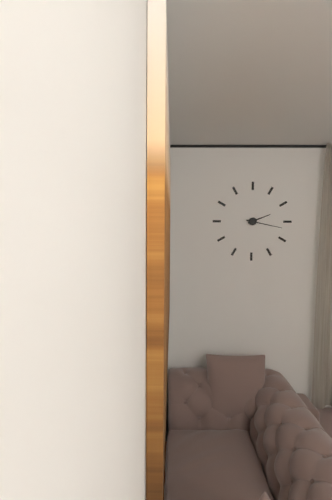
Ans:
2.17
